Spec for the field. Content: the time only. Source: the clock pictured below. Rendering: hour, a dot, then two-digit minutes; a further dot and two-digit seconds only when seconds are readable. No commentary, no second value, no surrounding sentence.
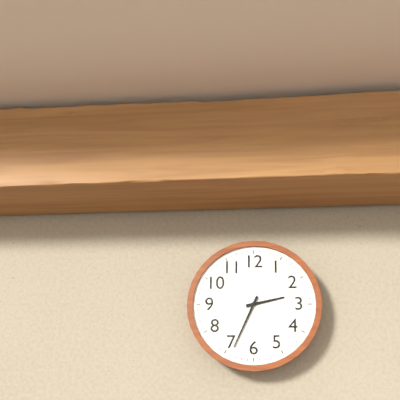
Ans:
2.34
